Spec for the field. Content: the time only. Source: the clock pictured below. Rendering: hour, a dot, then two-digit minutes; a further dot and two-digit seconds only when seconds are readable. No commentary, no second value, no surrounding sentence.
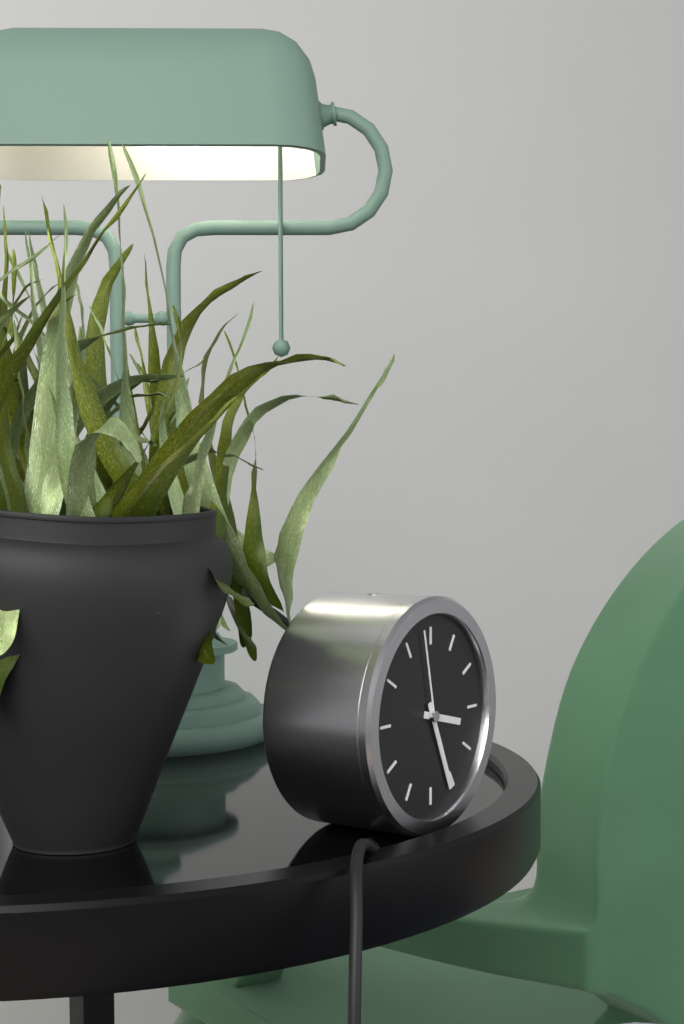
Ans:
3.26.58
